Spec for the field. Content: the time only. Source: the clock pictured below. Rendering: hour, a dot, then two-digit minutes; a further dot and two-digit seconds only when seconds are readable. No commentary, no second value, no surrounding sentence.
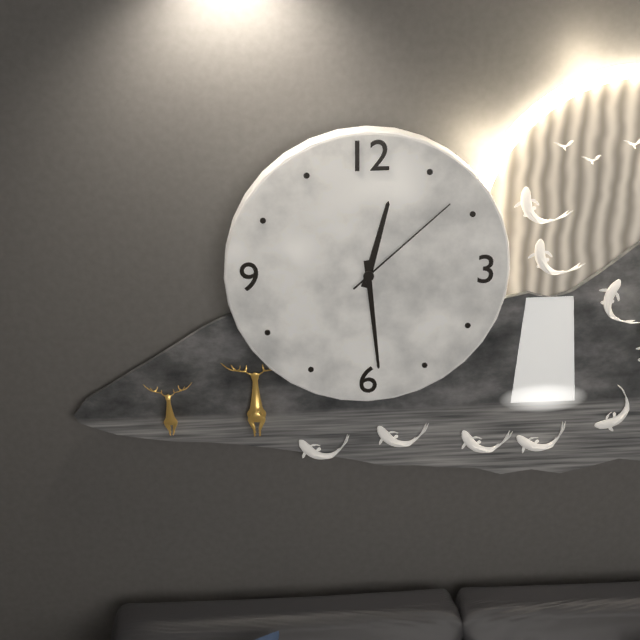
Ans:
12.29.08
